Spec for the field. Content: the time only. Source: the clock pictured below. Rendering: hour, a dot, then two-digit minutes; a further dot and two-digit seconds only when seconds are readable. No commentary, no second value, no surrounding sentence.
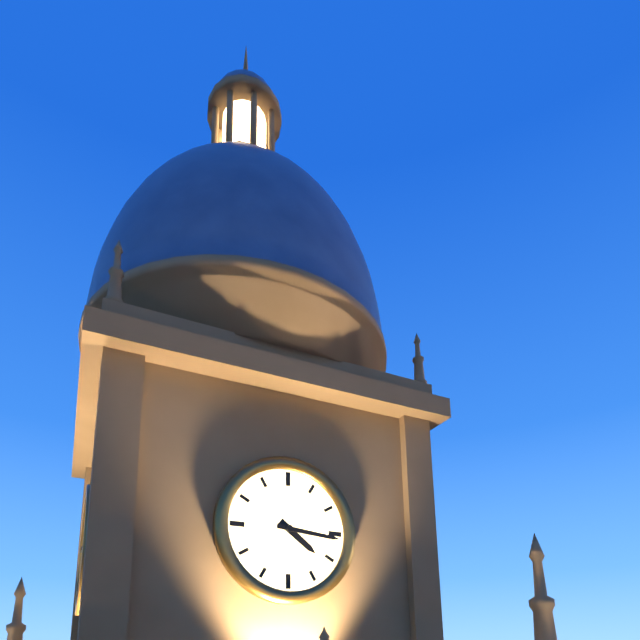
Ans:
4.16
